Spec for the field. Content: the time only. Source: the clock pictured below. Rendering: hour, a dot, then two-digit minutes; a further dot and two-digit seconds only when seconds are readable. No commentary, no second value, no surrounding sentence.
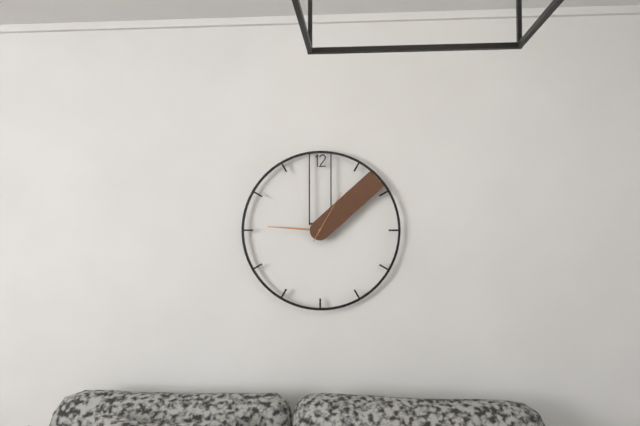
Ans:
9.08.05
